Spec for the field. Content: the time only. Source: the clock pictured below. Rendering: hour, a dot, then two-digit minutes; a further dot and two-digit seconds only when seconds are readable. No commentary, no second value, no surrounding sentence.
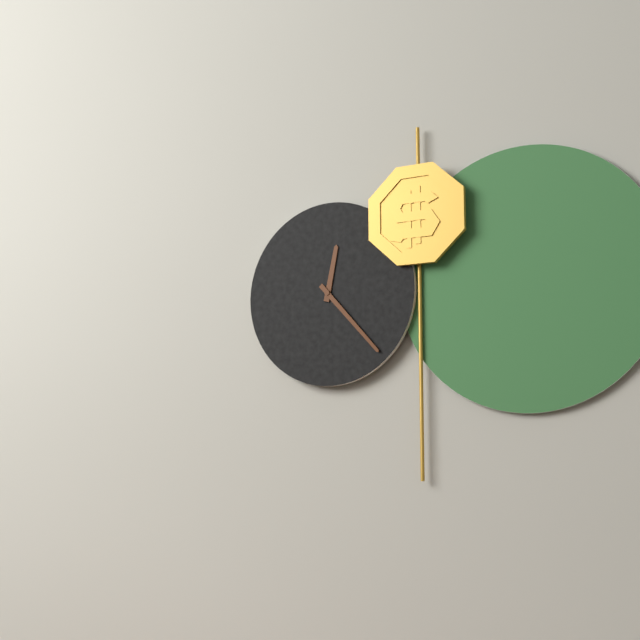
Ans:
12.23
